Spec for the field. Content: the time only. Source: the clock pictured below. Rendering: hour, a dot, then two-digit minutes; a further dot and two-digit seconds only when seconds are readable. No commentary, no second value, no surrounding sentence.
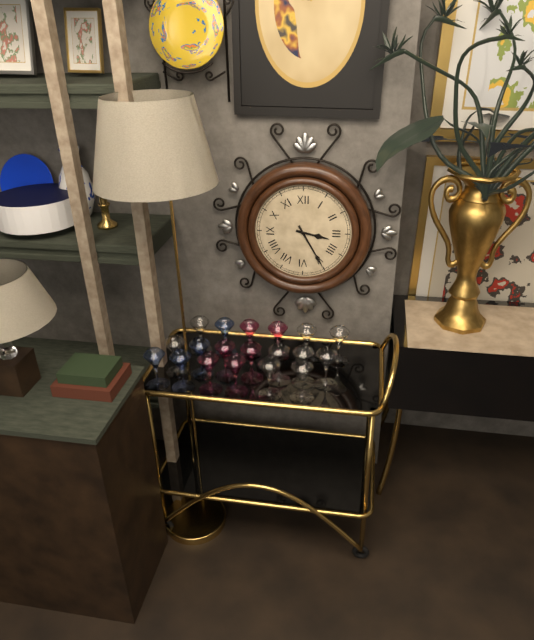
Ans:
3.25
